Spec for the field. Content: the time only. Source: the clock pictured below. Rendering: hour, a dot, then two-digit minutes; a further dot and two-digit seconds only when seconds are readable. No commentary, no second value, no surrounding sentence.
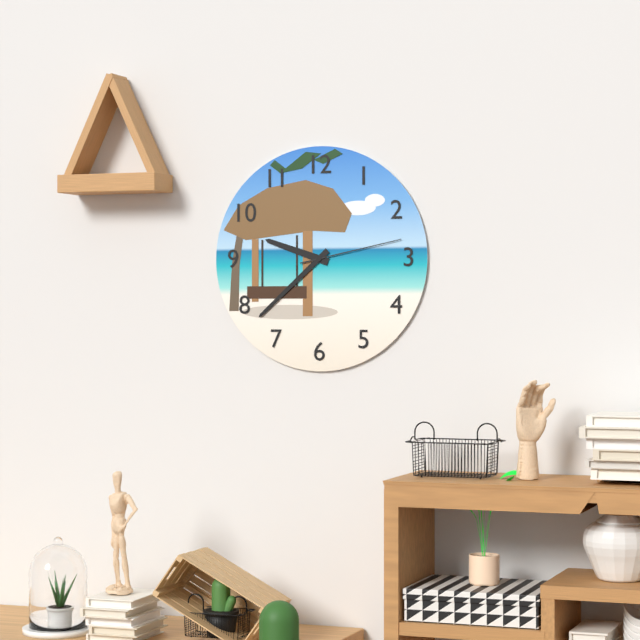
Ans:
9.38.13
